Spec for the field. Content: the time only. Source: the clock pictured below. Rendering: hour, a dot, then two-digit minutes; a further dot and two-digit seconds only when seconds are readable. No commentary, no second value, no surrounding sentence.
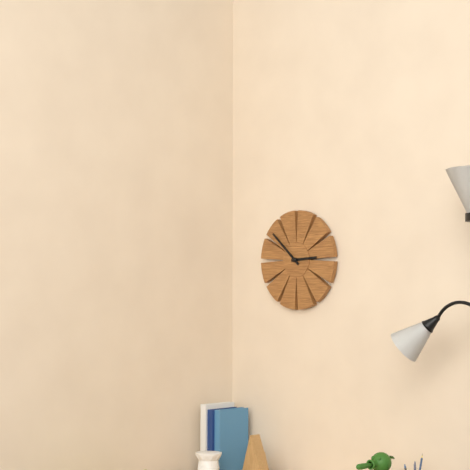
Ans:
2.52
